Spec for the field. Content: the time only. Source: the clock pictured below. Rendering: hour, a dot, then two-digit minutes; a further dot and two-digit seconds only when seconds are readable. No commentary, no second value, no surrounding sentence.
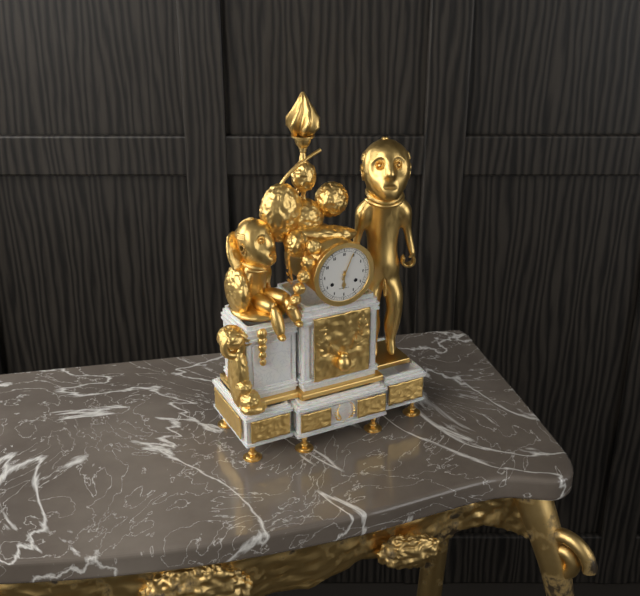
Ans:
6.04
